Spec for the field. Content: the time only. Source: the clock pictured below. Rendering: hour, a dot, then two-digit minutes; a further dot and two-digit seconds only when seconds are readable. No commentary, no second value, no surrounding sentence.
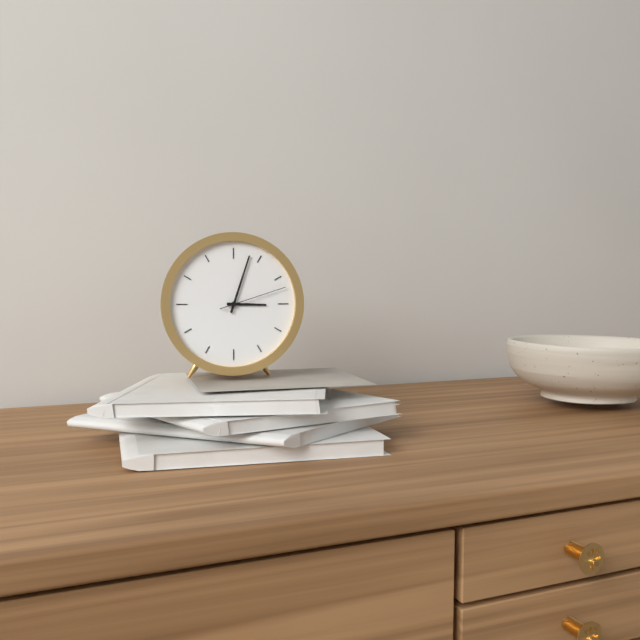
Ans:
3.03.12
